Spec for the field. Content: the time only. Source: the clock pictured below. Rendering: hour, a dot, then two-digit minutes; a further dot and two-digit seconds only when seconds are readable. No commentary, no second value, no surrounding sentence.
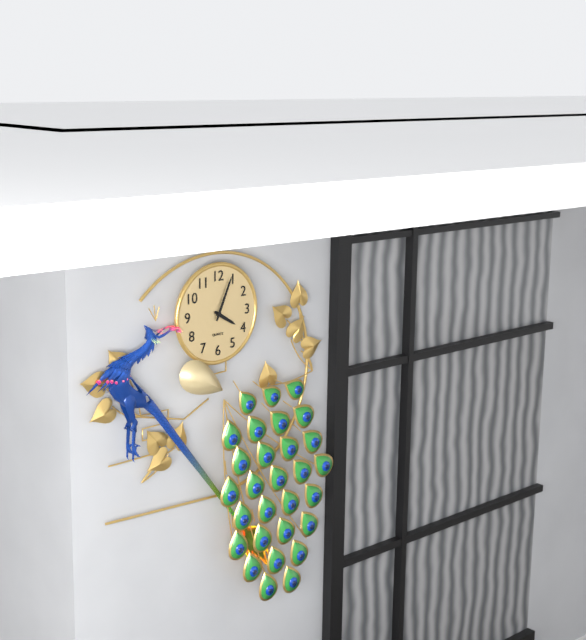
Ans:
4.04
